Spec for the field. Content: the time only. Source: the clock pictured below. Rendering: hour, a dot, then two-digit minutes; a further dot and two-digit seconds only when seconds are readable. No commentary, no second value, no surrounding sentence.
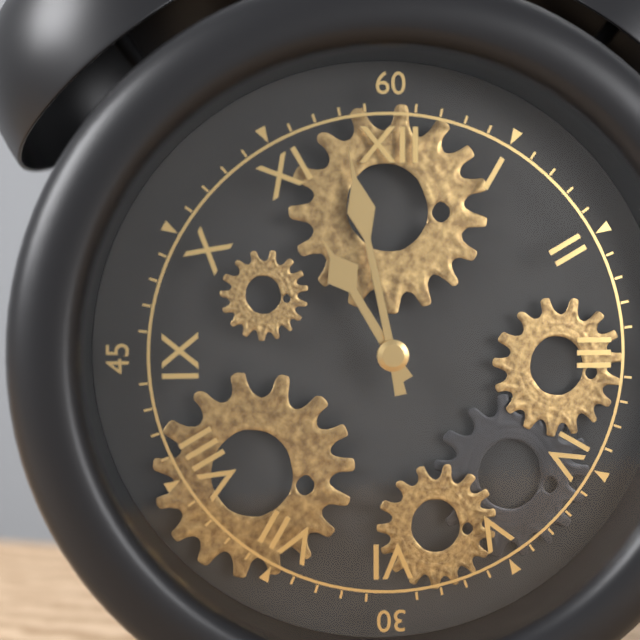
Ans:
10.58
